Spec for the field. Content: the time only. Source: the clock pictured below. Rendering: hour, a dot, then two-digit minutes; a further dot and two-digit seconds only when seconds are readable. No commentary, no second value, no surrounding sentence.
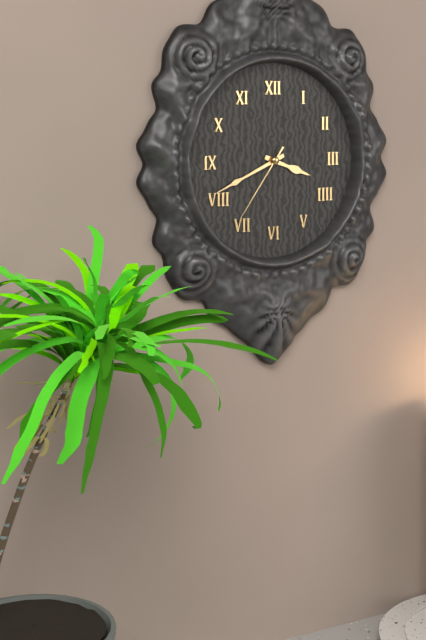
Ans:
3.41.36
